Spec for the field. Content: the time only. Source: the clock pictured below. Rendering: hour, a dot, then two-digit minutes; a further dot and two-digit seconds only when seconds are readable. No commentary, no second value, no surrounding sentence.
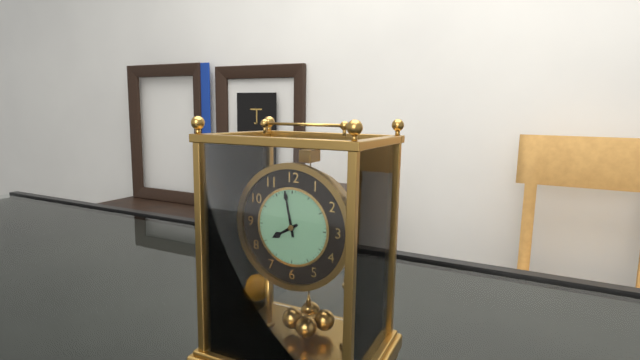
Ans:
7.58
